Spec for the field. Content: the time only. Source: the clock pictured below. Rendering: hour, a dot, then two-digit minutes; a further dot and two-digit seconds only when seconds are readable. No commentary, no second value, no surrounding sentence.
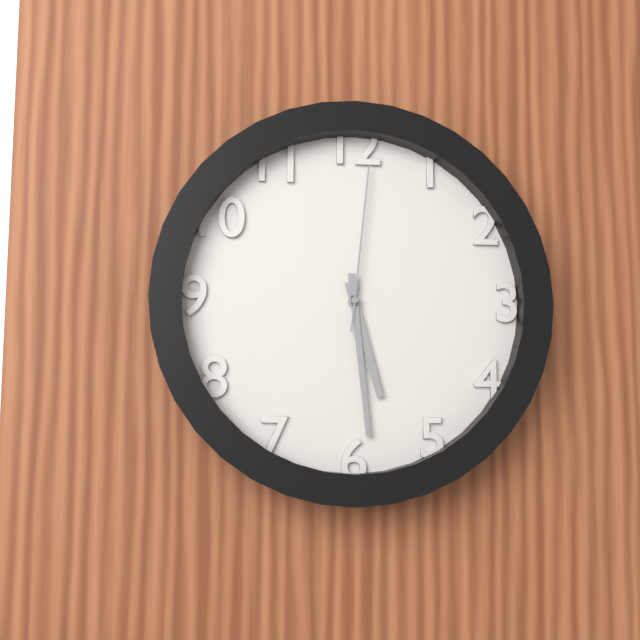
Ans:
5.29.01
